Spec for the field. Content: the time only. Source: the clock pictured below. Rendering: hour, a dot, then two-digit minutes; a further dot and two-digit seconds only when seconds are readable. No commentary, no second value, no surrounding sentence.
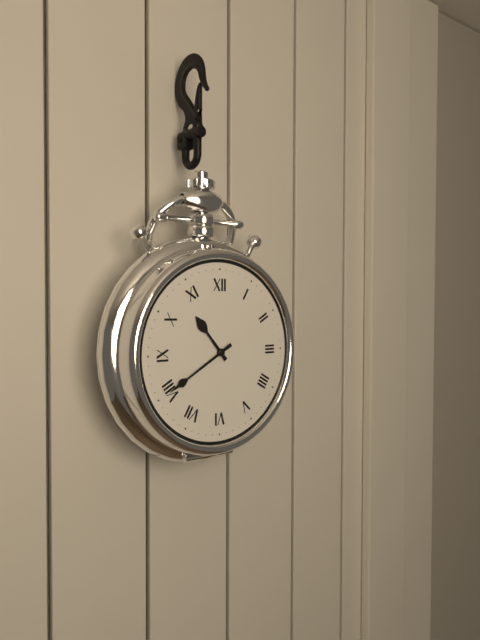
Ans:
10.40
